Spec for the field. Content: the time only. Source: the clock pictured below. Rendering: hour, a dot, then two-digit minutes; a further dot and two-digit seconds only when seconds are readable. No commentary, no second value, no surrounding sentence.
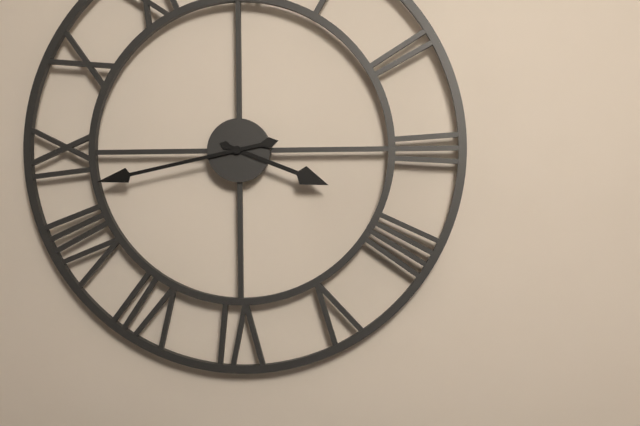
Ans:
3.43
